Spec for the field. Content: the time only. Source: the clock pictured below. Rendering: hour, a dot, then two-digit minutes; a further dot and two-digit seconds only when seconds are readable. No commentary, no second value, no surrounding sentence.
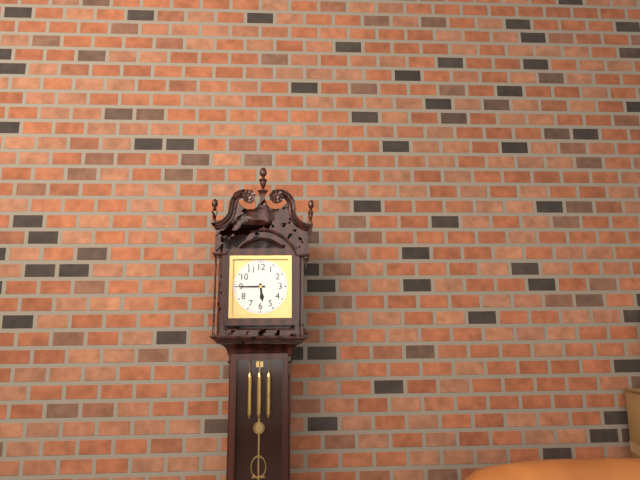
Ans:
5.45
